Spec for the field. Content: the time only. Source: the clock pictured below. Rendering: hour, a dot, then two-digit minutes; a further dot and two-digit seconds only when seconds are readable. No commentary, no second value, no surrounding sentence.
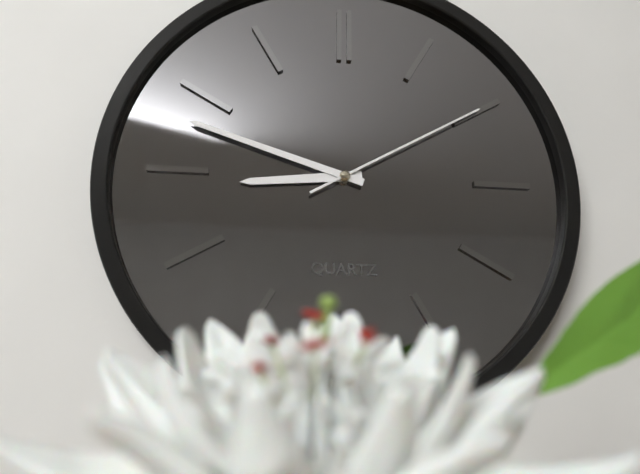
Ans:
8.48.10
